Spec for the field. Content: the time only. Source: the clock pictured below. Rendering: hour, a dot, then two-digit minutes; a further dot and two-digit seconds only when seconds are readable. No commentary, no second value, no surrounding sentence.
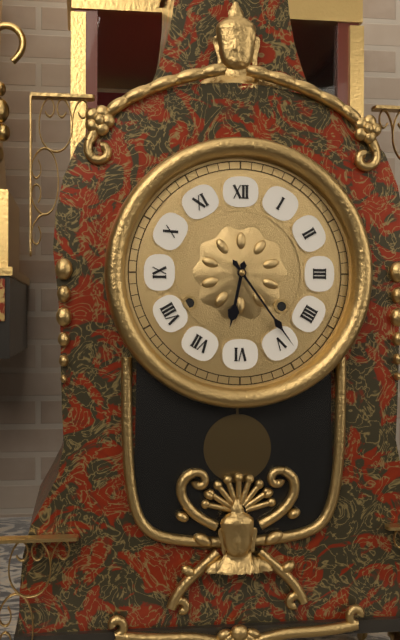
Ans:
6.24
